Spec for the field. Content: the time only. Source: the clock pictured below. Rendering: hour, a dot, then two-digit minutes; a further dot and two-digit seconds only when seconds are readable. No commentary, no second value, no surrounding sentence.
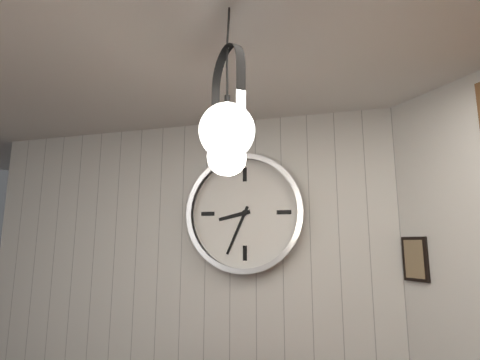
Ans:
8.34
